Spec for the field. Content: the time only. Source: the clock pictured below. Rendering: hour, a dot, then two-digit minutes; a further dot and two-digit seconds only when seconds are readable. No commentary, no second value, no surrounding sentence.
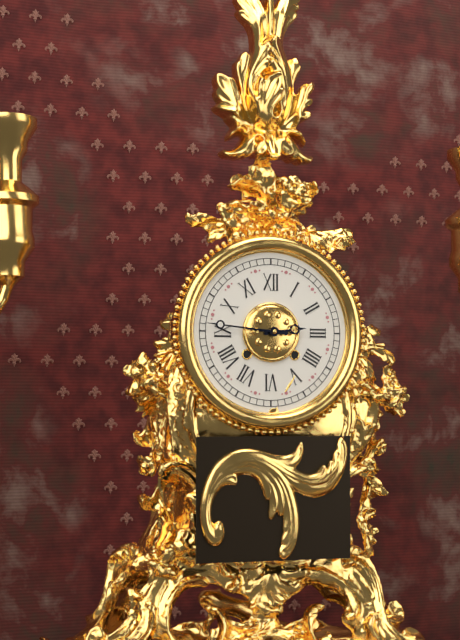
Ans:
2.46
